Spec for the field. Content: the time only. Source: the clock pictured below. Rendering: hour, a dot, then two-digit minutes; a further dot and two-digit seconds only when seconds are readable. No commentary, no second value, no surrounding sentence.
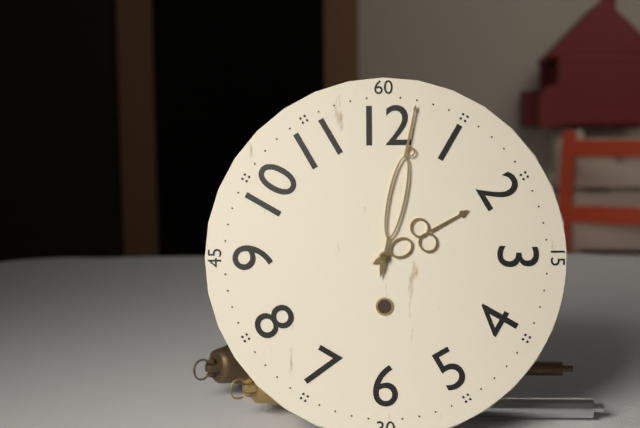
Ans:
2.02
